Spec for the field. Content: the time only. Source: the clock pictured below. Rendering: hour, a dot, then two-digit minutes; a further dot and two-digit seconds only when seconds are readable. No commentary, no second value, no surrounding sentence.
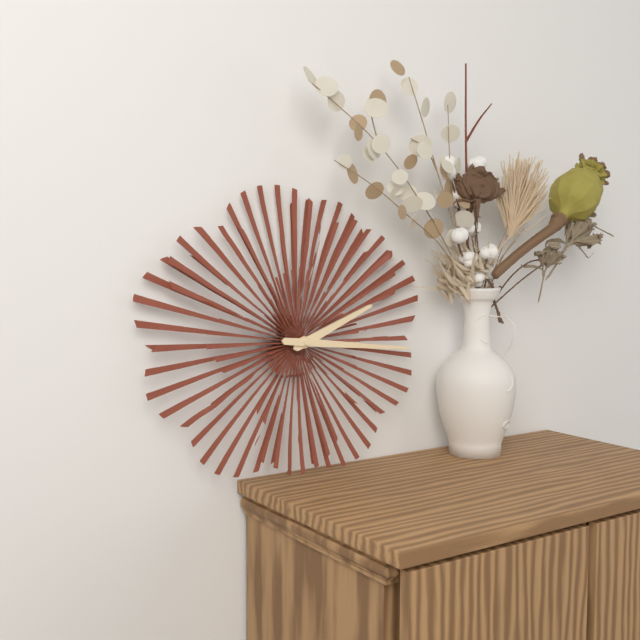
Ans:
2.16
